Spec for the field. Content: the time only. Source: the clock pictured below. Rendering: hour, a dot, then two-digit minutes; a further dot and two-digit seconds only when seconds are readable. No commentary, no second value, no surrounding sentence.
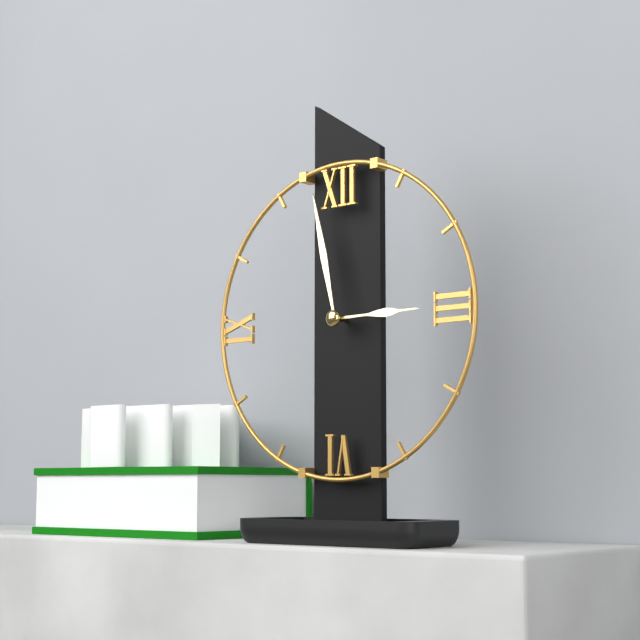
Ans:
2.58
